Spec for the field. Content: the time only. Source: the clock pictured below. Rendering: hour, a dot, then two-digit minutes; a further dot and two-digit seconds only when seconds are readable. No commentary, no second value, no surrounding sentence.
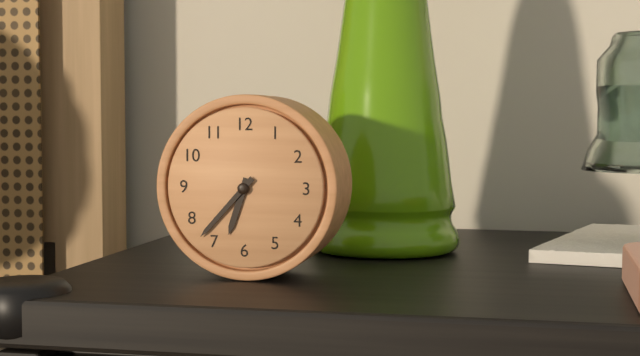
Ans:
6.37
